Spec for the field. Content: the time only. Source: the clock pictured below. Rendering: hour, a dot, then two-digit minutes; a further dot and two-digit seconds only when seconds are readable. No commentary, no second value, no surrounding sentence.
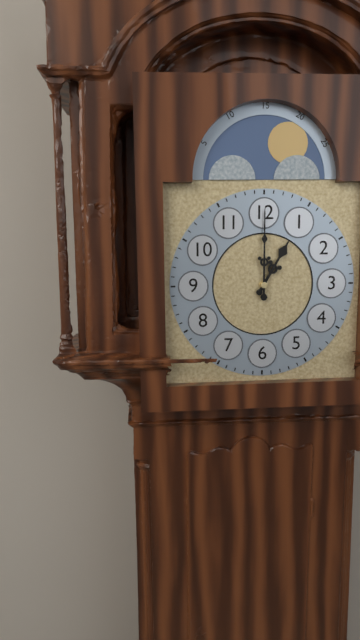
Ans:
1.00
